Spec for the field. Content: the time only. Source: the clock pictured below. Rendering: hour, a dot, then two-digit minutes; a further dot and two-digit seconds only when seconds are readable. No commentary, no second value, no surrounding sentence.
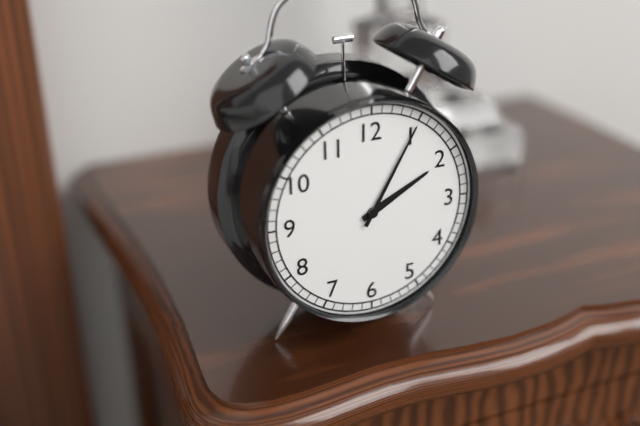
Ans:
2.05
